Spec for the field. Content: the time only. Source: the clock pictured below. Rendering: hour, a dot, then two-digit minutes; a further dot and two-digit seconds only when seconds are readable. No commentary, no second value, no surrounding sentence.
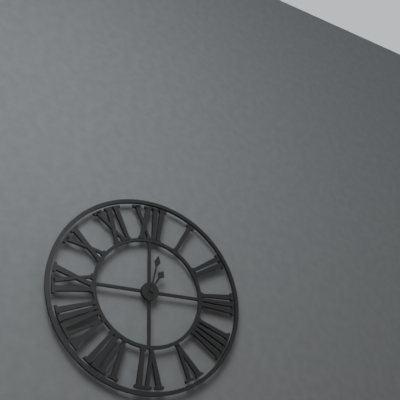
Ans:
1.02
